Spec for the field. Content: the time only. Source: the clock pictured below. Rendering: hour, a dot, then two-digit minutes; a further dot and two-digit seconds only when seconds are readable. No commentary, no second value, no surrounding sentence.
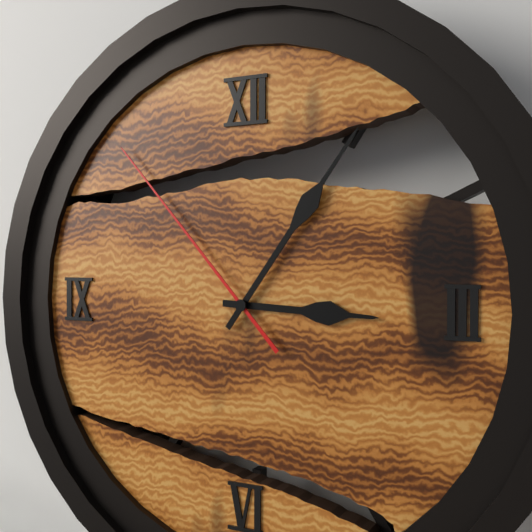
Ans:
3.06.53
